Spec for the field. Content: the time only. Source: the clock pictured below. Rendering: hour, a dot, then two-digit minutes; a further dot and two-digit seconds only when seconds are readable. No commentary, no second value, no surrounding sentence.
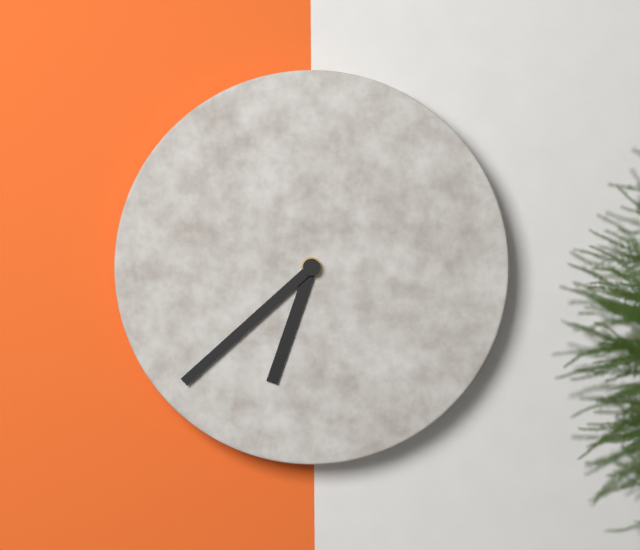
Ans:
6.38
